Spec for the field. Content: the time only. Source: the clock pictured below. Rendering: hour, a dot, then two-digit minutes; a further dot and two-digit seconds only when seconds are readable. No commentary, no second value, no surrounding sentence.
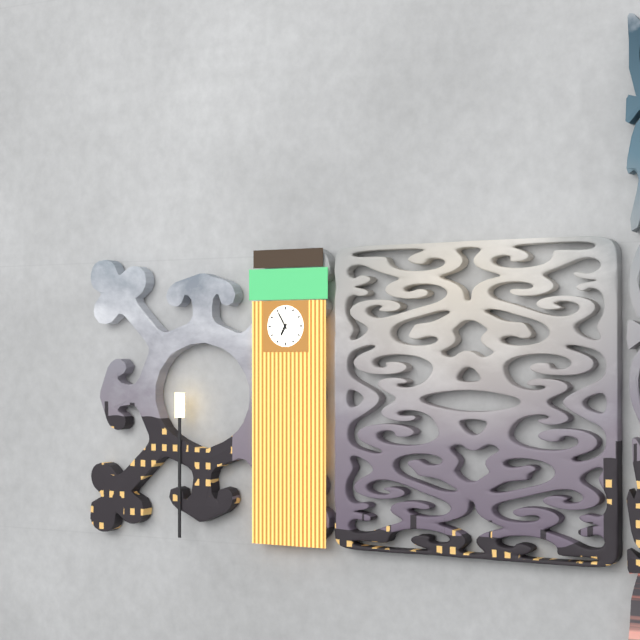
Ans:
6.55
